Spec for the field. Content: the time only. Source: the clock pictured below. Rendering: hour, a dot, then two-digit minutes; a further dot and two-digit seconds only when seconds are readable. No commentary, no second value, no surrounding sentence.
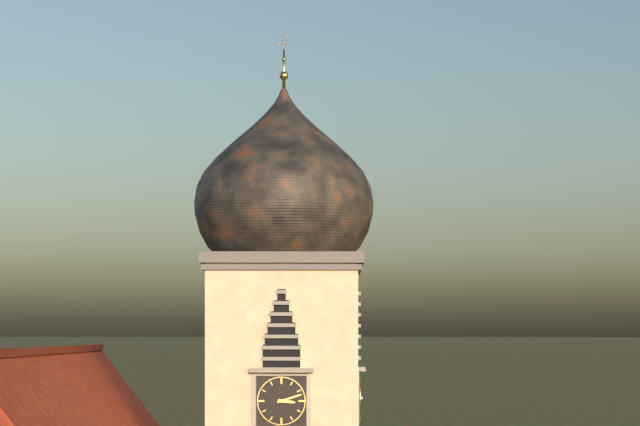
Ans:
3.12
